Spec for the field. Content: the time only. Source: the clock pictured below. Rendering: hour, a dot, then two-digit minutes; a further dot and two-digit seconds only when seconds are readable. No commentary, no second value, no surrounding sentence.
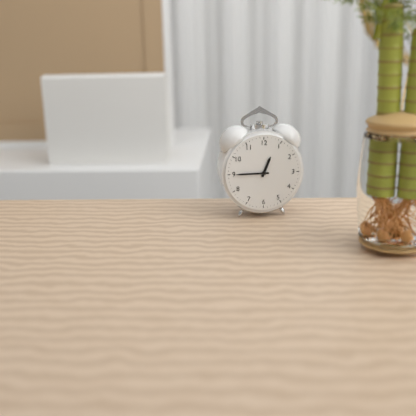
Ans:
12.45
